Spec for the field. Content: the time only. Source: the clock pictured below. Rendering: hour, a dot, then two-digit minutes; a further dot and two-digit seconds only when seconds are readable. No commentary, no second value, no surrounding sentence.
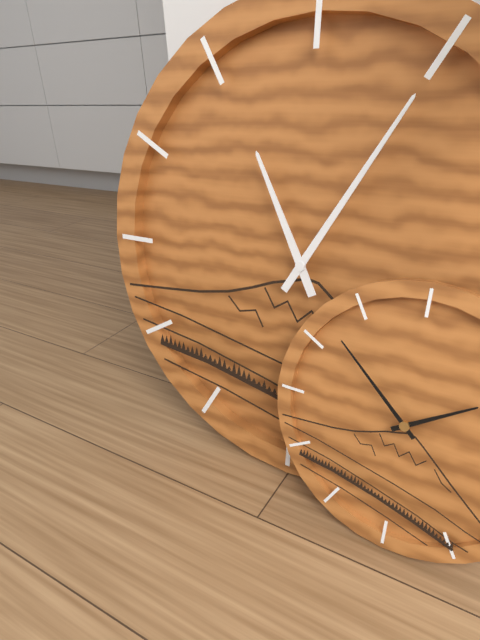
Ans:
11.05
